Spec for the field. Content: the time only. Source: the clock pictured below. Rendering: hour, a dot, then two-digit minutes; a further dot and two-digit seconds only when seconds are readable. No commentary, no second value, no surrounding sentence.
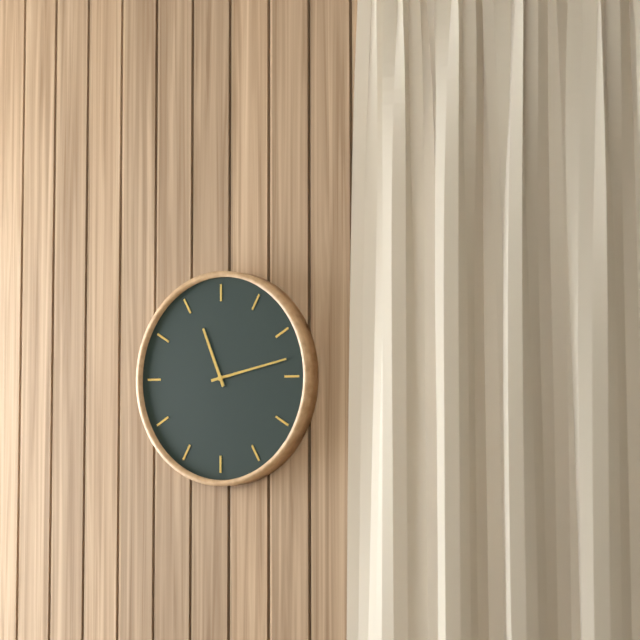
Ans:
11.13
